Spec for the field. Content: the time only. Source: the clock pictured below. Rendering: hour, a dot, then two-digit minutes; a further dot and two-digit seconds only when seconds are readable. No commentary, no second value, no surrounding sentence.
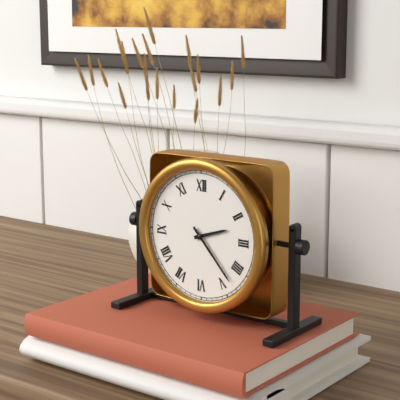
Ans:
2.23
